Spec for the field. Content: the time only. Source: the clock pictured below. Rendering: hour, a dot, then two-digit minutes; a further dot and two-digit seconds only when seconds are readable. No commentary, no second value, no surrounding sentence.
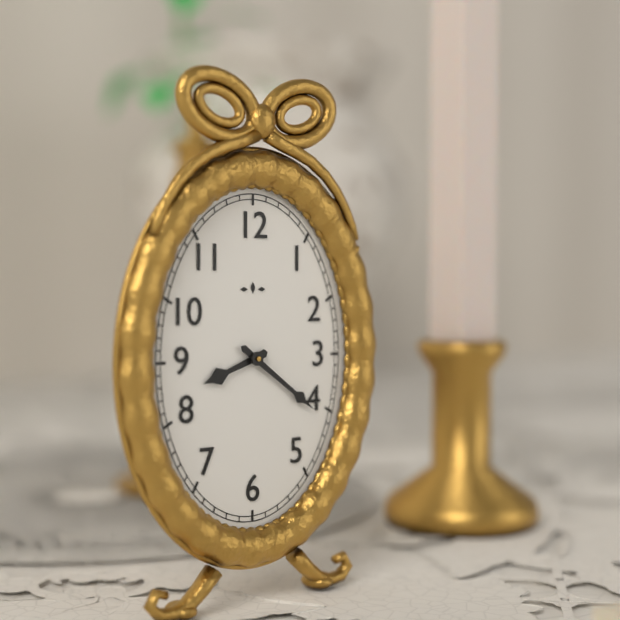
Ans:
8.21
